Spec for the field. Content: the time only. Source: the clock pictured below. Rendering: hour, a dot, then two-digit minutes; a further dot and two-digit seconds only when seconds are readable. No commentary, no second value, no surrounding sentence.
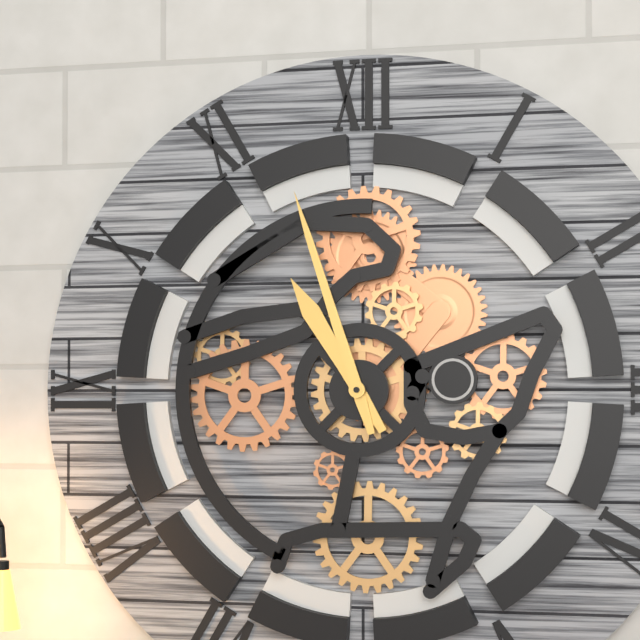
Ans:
10.57
